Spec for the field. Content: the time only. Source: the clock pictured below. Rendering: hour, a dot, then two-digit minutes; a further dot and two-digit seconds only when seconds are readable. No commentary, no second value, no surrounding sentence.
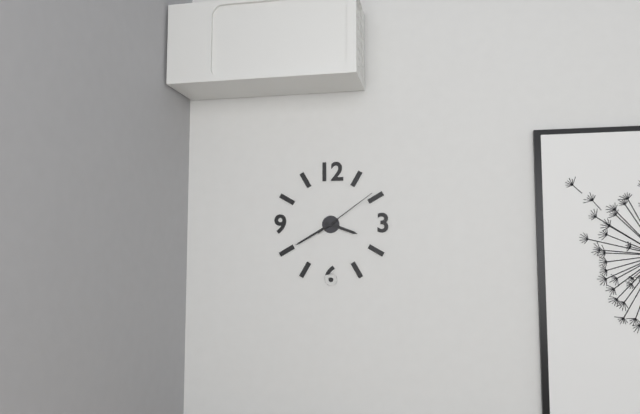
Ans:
3.40.09
